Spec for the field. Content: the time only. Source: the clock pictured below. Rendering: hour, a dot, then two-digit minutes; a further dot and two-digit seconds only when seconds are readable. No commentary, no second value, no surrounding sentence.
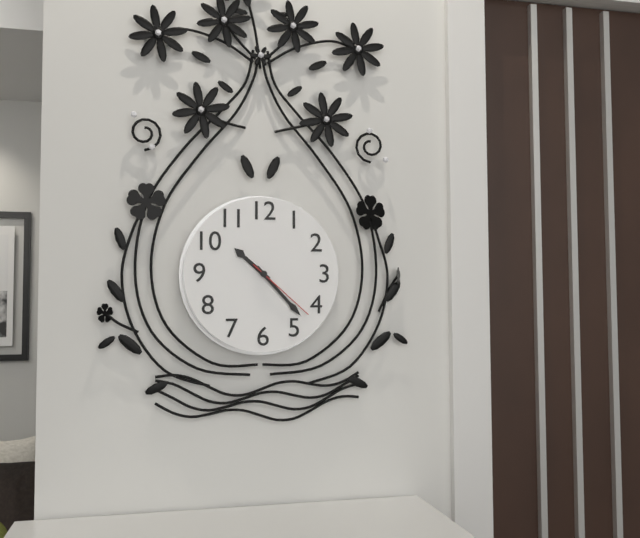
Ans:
10.23.22
